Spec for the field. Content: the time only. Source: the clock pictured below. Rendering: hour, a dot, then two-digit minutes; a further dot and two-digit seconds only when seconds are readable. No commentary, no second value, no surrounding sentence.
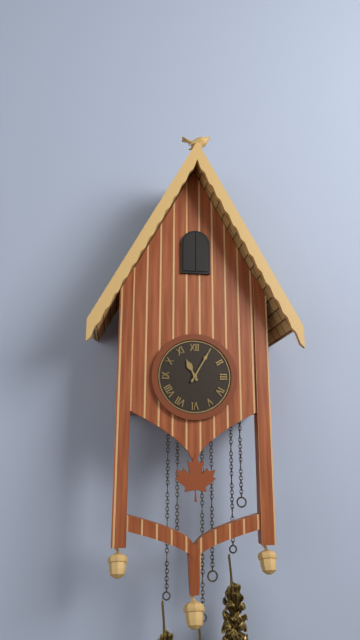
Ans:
11.05
